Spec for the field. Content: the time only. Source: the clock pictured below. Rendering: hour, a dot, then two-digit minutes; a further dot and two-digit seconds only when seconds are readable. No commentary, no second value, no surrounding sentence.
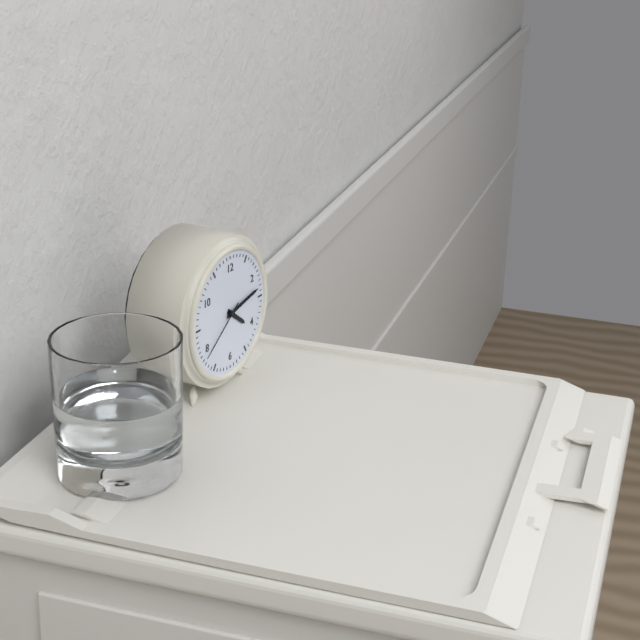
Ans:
4.13.39
